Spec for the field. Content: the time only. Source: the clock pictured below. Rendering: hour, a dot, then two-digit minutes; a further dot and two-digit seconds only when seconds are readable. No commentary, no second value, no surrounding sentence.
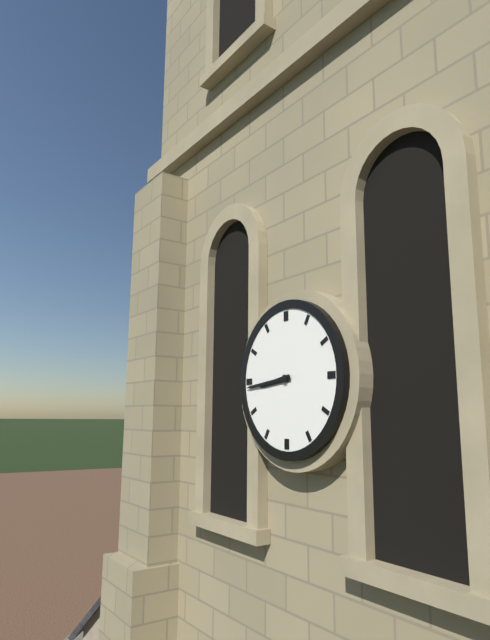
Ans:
8.44
